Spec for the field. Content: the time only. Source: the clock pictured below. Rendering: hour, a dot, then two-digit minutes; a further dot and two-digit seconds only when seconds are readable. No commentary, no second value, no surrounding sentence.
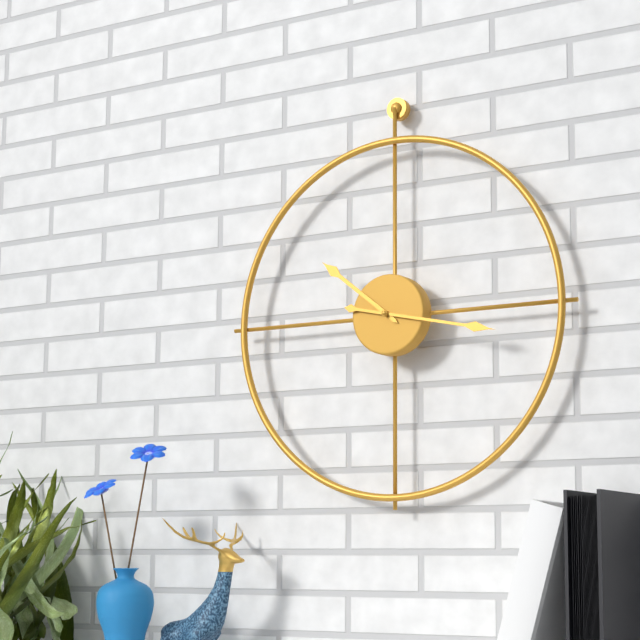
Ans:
10.17
